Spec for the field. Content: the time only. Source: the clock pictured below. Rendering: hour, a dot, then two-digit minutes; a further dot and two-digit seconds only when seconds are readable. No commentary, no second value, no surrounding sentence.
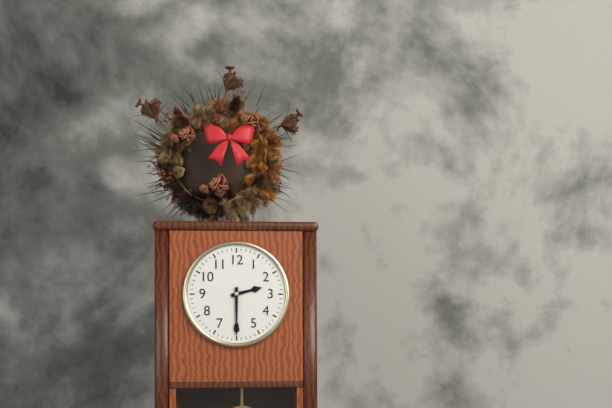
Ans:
2.30
